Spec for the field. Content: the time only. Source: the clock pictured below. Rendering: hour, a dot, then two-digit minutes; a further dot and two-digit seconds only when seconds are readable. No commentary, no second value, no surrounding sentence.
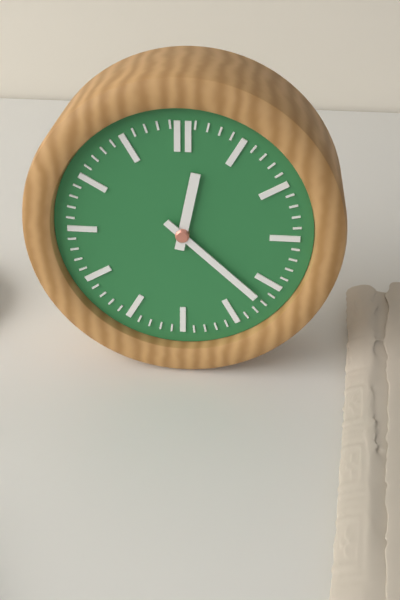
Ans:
12.22
